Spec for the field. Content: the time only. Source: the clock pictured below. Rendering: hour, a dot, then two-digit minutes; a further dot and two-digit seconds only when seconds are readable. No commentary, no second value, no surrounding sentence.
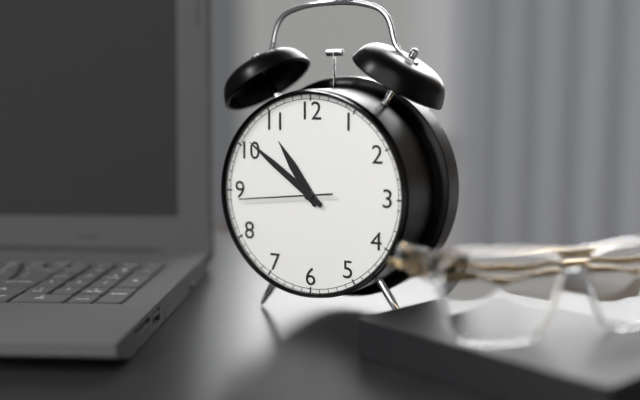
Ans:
10.51.44
